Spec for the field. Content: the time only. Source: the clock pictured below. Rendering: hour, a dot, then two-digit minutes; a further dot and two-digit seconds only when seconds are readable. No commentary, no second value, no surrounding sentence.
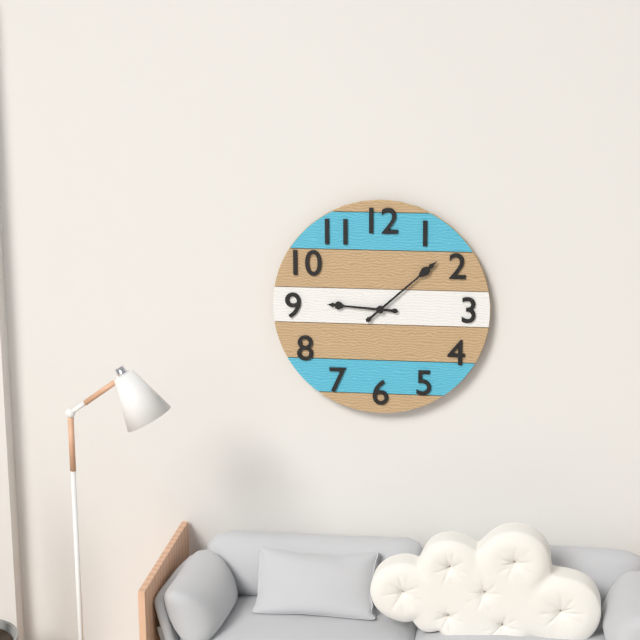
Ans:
9.08
